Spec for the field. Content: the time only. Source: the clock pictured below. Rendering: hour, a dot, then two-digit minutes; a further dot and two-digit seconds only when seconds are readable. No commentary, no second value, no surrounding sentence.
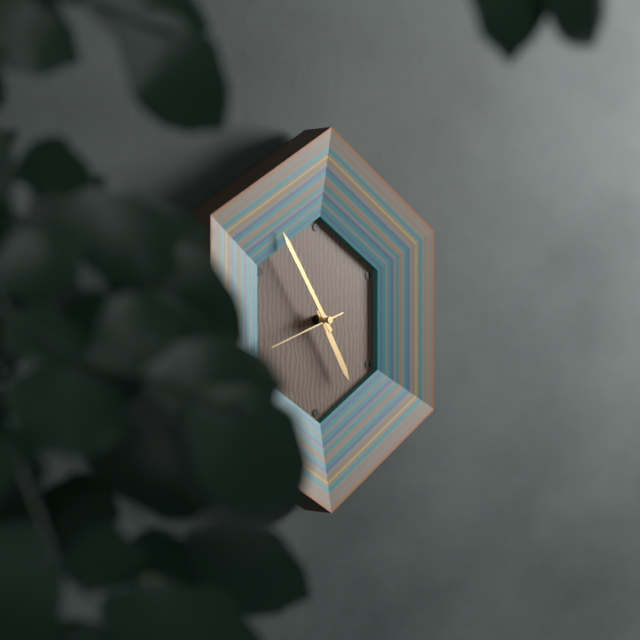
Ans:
4.54.42
